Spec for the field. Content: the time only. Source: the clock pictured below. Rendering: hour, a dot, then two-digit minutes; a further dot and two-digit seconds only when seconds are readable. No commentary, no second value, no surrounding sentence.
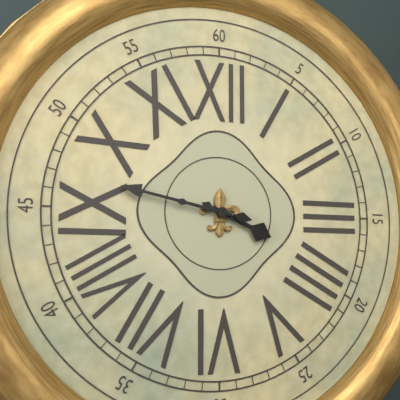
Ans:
3.47
